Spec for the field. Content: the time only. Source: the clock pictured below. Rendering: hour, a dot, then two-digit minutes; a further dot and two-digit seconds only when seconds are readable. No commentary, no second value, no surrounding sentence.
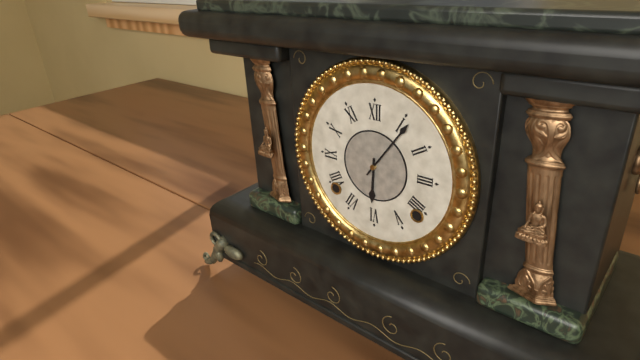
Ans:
6.06
